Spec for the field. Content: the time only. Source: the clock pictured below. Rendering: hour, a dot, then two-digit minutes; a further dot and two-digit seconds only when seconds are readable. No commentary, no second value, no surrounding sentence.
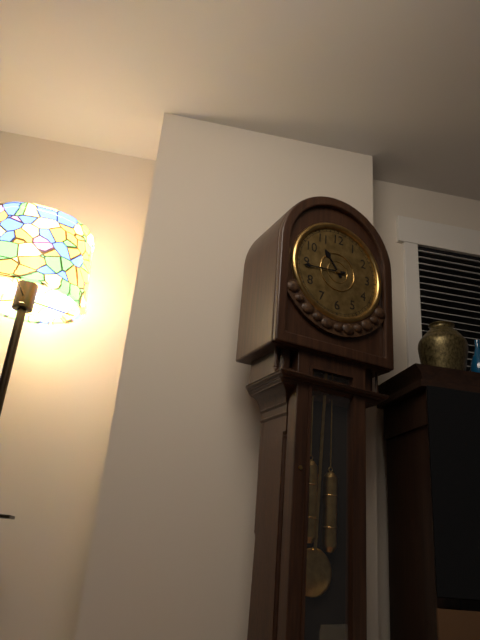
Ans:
10.44
